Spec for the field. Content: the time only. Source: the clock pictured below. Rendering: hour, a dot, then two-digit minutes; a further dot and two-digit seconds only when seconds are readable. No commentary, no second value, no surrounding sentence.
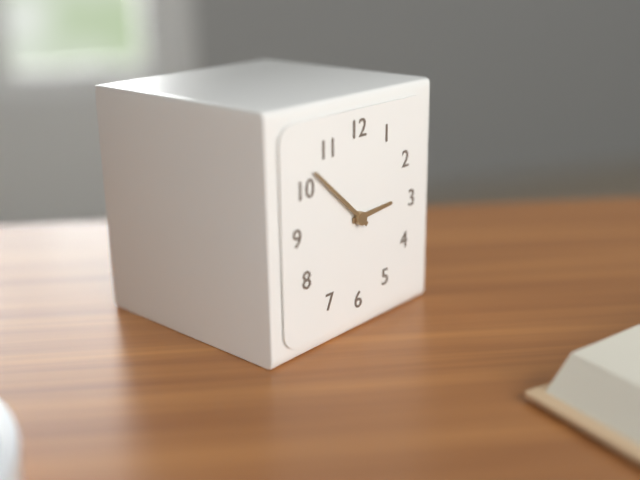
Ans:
2.52
